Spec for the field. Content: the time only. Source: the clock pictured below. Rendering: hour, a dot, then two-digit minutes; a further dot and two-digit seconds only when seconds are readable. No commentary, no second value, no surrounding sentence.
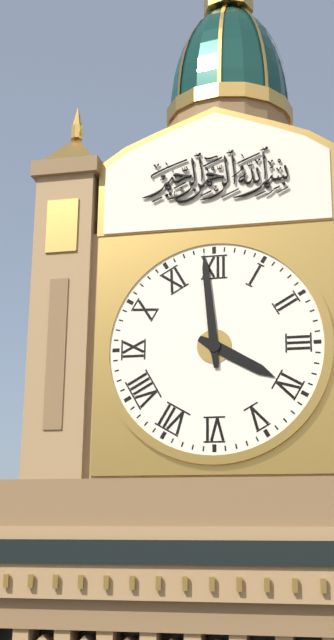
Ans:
3.59
